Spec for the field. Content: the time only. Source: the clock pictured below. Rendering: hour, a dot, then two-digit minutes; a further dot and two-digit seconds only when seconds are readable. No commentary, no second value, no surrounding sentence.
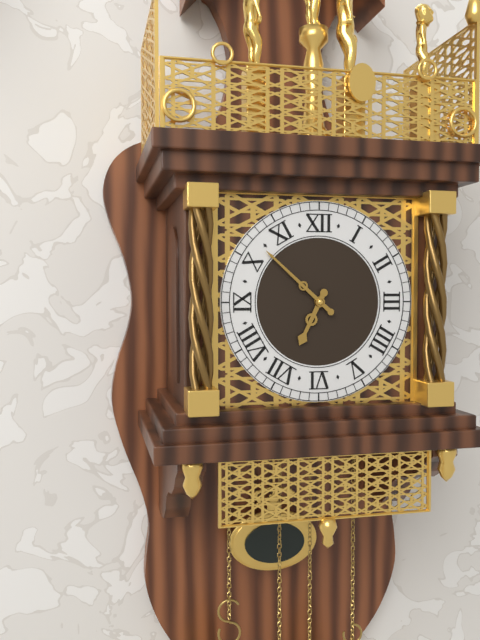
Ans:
6.52
